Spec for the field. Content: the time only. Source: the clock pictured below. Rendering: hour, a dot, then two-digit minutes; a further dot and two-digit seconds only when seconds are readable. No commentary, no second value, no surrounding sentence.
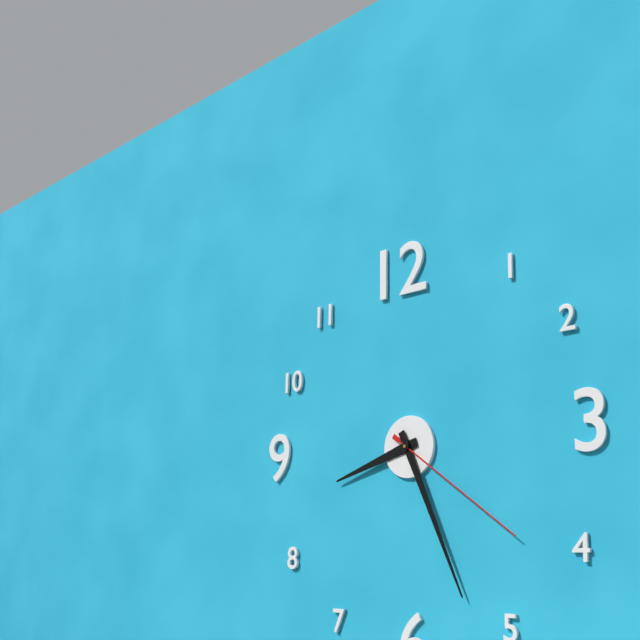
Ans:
8.26.21
